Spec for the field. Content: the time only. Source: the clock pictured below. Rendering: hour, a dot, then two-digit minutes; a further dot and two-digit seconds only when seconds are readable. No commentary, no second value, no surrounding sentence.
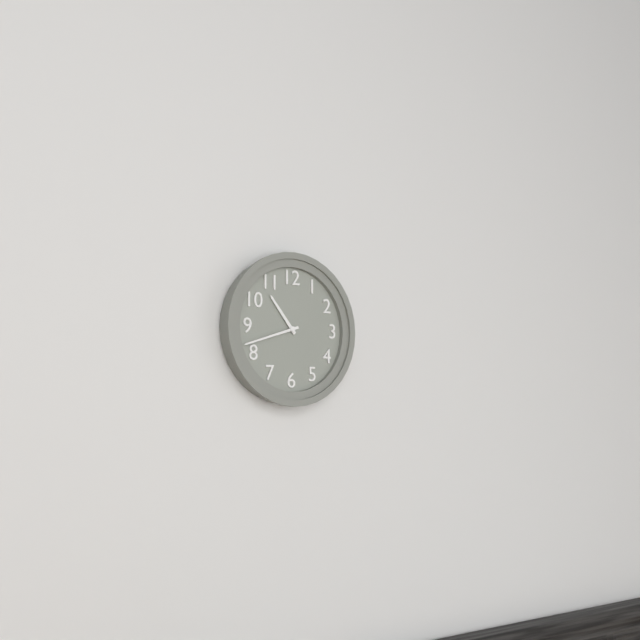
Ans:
10.42
